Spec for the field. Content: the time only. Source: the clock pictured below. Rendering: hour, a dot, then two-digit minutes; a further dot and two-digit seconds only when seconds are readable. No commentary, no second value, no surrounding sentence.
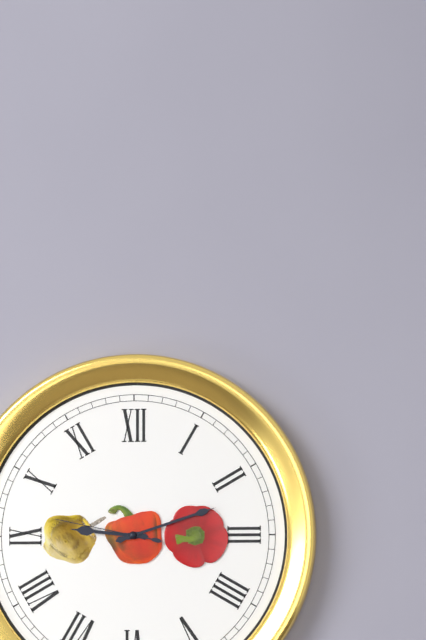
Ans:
9.12.47
